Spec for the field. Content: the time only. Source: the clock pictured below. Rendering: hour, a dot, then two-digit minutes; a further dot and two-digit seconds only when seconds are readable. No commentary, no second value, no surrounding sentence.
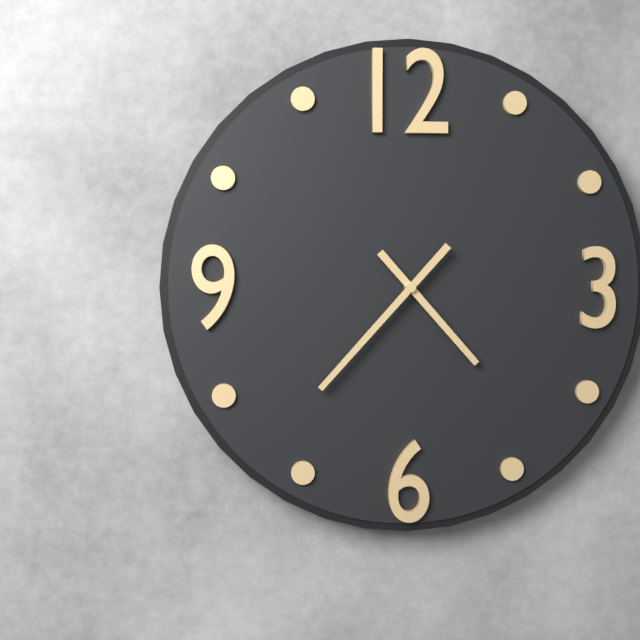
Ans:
4.37
